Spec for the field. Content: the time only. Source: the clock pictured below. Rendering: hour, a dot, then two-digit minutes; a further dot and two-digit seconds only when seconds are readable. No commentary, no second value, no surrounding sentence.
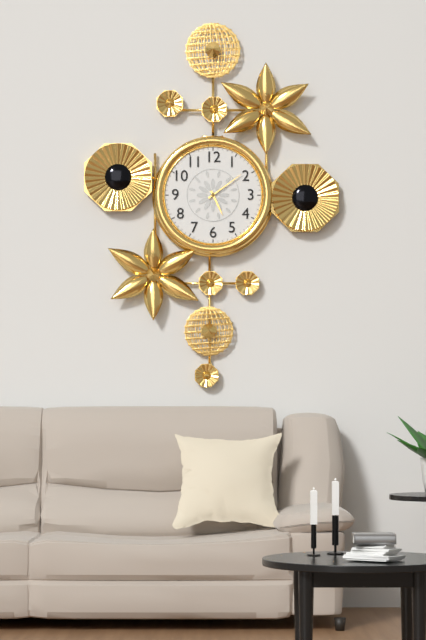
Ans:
5.09
